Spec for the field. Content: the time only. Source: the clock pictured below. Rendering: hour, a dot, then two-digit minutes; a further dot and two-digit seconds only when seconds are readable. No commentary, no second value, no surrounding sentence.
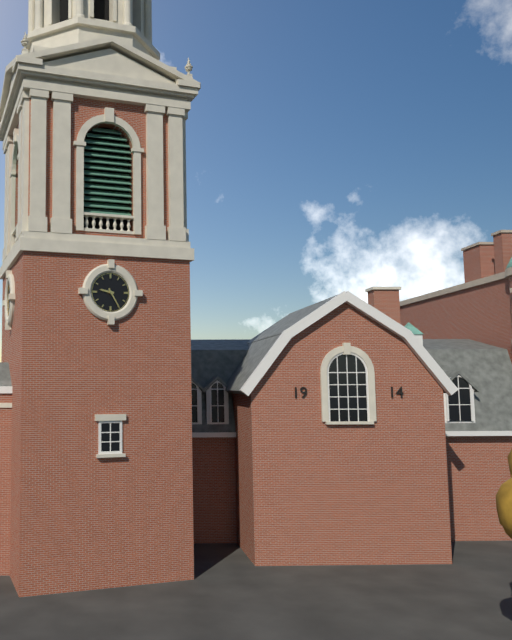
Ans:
9.25
